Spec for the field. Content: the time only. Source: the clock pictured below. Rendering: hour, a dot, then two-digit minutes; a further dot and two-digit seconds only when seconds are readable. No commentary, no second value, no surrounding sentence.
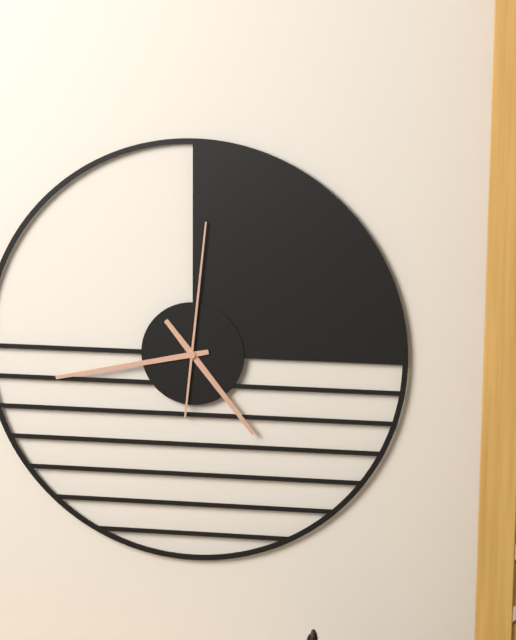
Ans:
4.43.01
